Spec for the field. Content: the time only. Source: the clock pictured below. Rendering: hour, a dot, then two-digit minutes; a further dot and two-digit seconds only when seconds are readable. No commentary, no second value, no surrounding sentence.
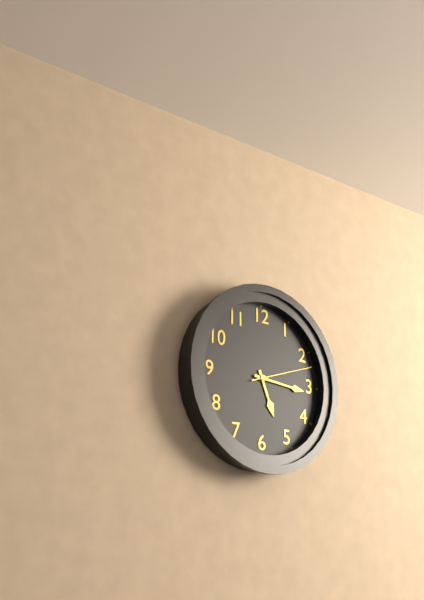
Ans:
5.16.12
